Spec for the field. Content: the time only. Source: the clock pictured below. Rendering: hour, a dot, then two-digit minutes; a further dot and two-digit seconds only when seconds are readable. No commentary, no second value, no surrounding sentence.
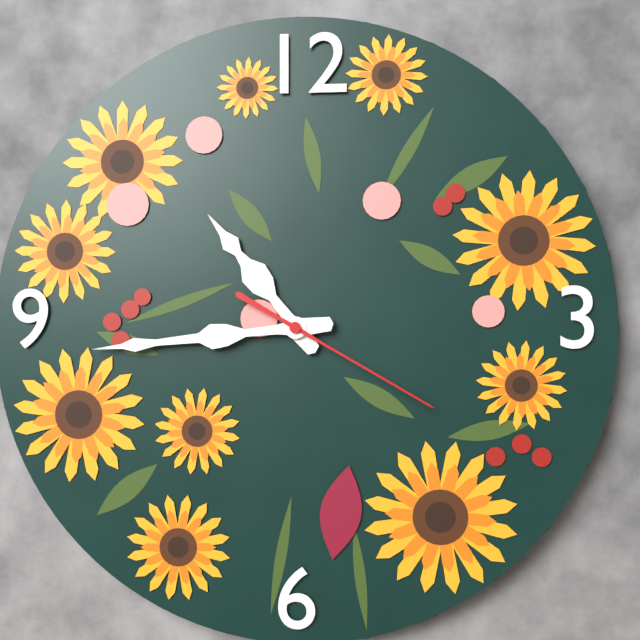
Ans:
10.44.20
